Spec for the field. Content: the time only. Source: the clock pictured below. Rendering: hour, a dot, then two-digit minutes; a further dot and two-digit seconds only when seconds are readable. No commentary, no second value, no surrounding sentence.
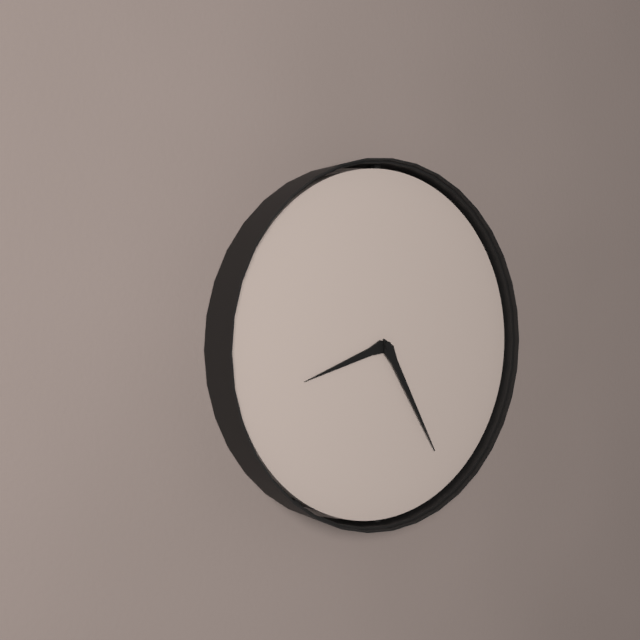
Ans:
8.25
